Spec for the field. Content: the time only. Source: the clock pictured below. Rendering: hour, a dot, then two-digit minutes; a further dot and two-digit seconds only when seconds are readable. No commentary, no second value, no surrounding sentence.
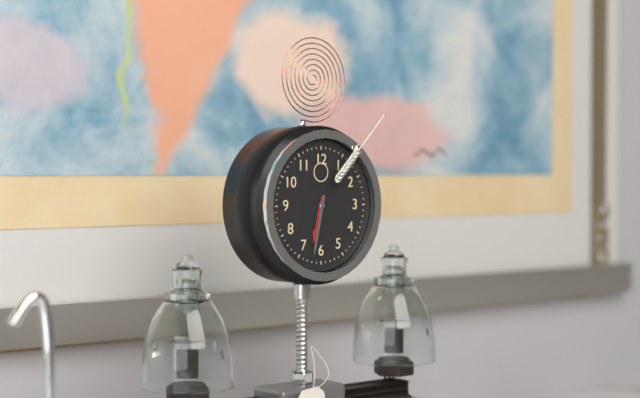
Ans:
6.32
